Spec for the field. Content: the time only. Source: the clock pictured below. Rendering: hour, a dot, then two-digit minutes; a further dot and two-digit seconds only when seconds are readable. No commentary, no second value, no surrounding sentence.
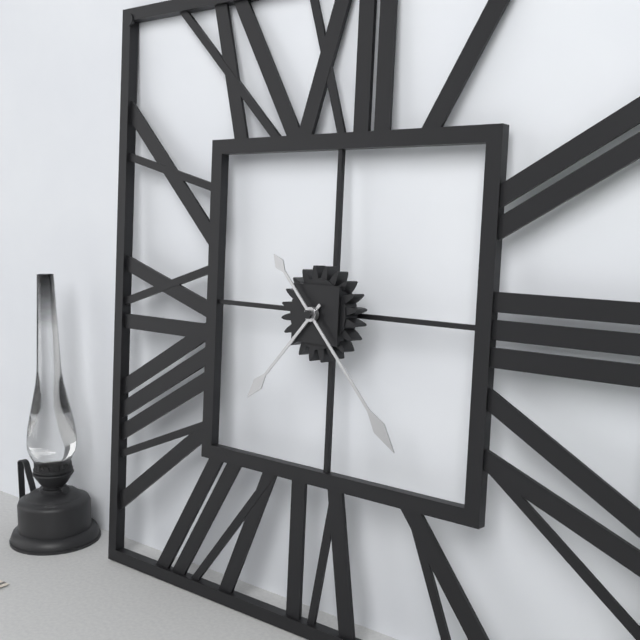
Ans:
7.23
